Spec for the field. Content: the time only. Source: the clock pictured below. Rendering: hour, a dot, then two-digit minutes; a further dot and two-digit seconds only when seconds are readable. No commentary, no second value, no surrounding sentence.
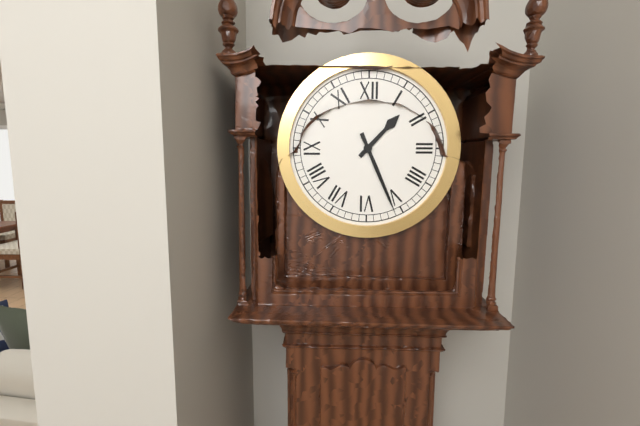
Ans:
1.26
